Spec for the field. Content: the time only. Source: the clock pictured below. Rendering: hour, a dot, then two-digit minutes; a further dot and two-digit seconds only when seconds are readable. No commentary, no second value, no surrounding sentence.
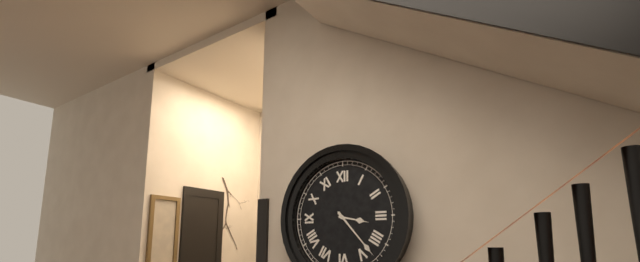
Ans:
3.23
